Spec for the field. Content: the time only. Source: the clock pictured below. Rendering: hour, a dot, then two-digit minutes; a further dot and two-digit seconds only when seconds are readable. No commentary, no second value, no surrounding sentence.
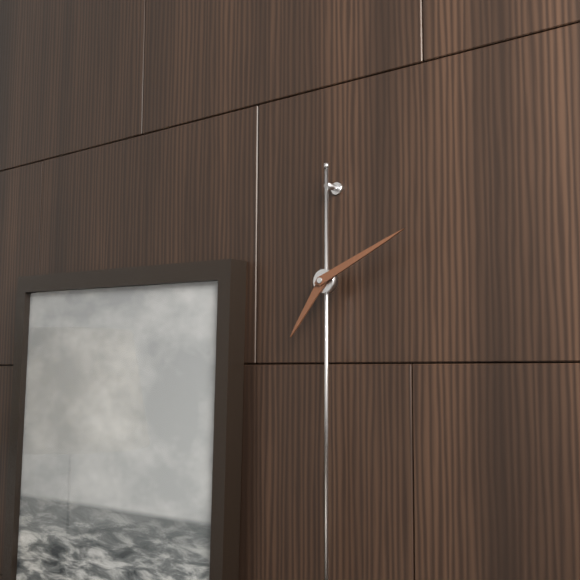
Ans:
7.11
